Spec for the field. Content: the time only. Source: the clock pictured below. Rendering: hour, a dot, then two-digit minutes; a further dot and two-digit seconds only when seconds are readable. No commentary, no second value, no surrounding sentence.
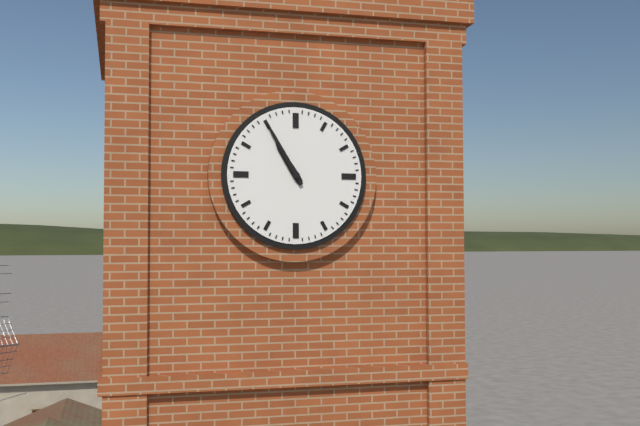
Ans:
10.55
